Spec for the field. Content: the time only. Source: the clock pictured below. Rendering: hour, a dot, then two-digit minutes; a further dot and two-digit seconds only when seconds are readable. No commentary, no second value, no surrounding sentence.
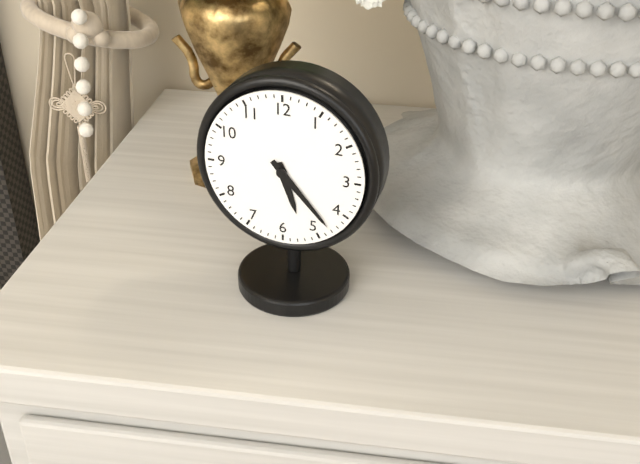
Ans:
5.23
